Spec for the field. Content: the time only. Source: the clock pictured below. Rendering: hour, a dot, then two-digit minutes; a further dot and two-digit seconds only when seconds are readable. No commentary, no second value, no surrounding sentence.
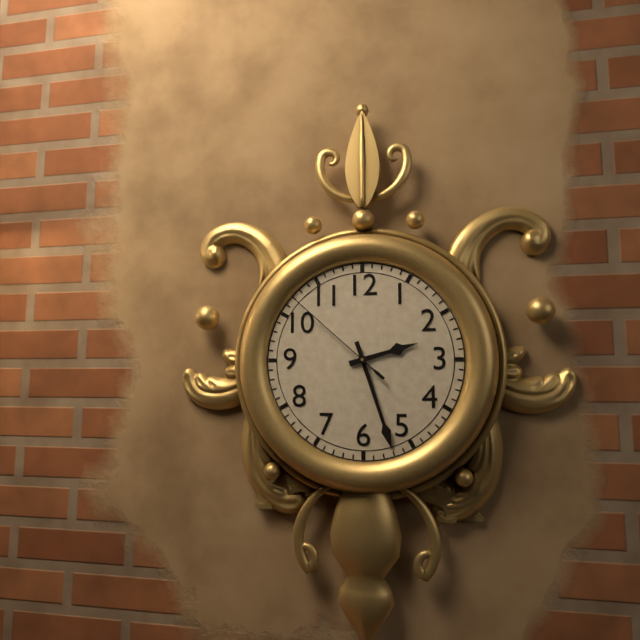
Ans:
2.27.52
